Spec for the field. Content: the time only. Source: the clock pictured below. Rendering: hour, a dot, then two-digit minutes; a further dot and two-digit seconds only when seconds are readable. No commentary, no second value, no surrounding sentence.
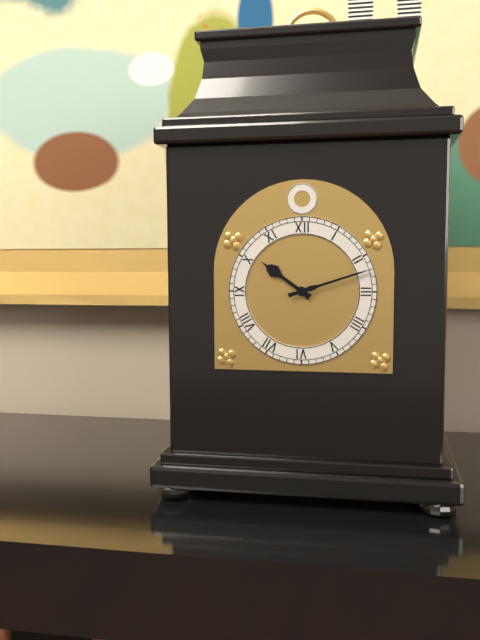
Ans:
10.12
